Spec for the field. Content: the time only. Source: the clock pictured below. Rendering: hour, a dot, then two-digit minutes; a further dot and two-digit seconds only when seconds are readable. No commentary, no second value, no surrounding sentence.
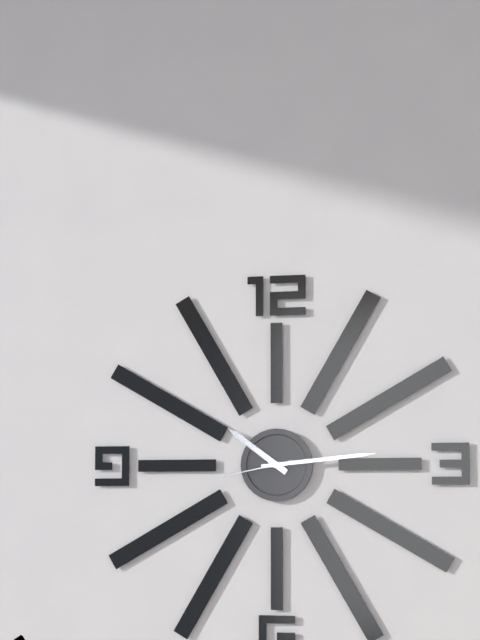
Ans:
10.14.43
